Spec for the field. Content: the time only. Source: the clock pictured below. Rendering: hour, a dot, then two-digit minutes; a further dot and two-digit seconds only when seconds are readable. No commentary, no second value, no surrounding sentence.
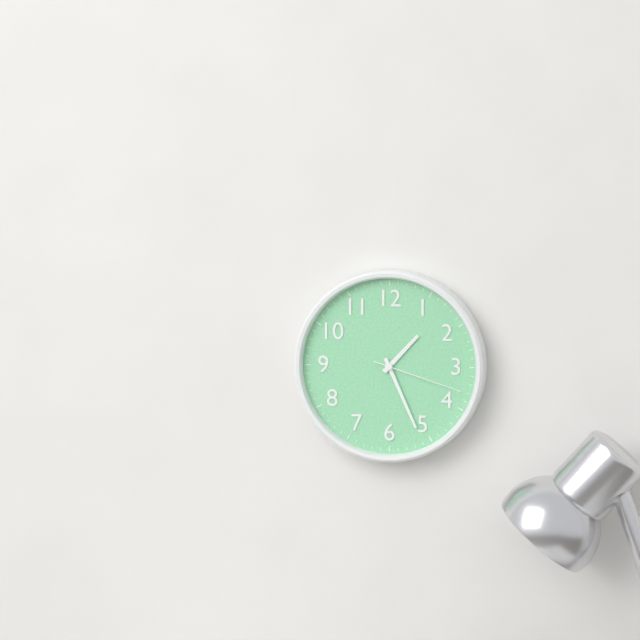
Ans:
1.26.18
